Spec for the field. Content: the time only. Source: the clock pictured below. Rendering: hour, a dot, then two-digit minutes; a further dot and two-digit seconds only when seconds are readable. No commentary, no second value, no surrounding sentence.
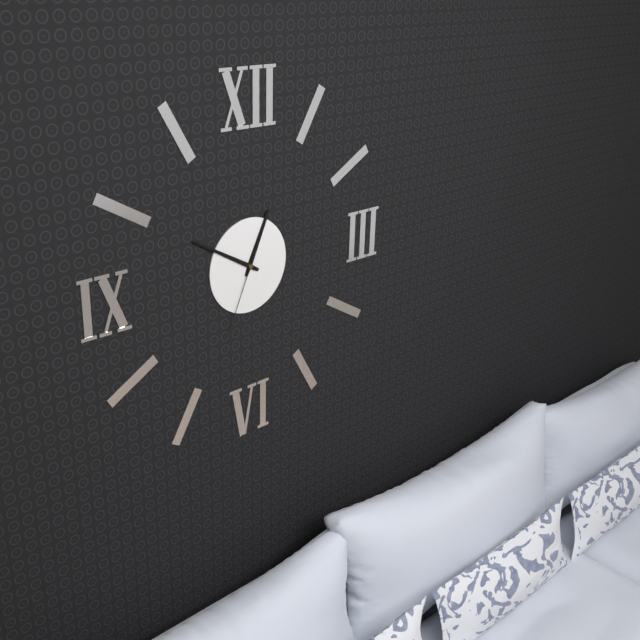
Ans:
12.50.34
